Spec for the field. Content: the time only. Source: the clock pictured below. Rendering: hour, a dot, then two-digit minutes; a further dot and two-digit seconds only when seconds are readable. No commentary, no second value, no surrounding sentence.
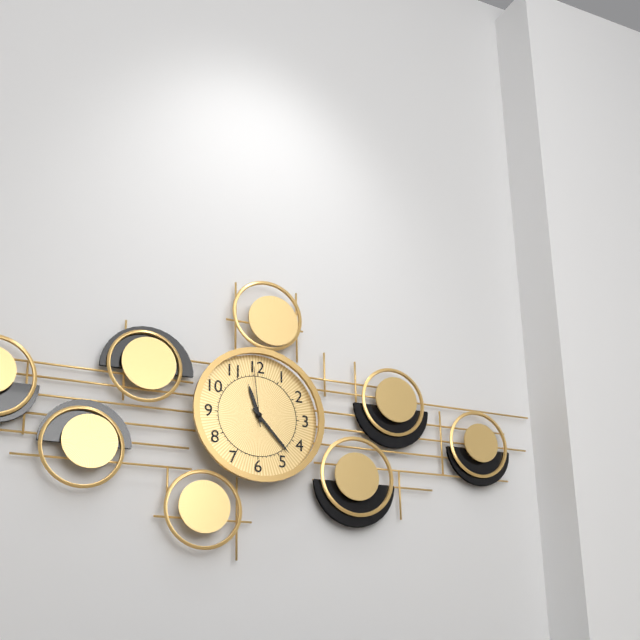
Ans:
11.23.59
